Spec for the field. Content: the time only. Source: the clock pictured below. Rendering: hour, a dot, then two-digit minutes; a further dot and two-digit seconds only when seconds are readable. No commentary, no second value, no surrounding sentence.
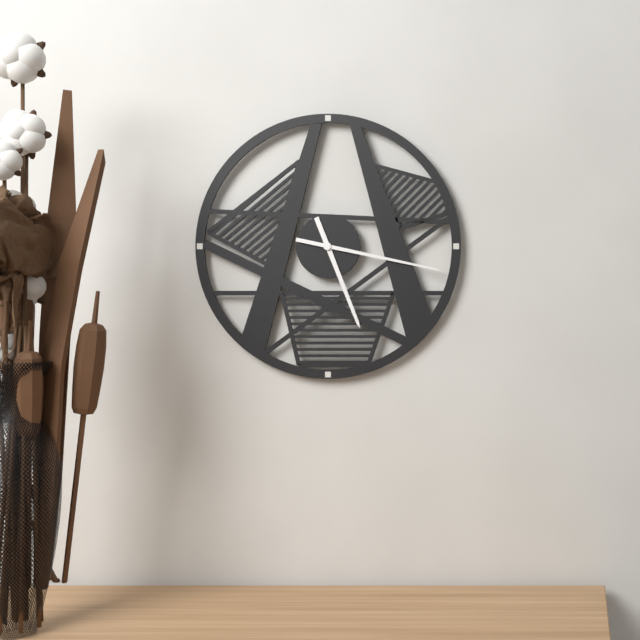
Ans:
5.17
